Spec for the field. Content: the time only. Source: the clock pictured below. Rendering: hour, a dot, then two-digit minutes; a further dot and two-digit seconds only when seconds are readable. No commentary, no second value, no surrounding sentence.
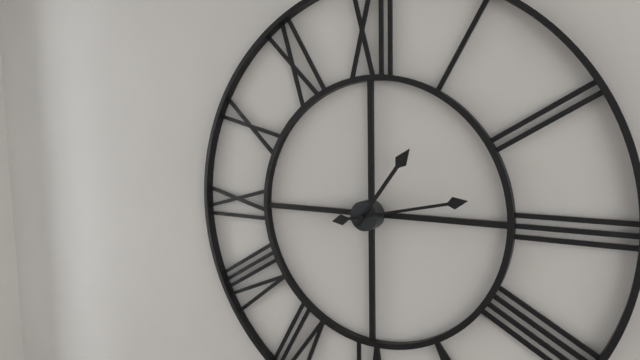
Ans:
1.13
